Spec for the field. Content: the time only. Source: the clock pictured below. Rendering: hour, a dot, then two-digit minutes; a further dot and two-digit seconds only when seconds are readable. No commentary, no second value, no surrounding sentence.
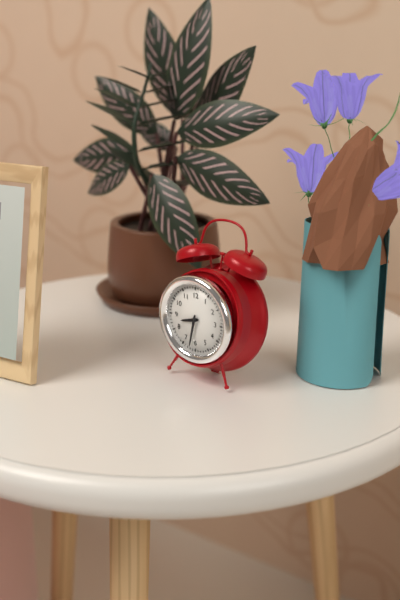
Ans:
8.32
